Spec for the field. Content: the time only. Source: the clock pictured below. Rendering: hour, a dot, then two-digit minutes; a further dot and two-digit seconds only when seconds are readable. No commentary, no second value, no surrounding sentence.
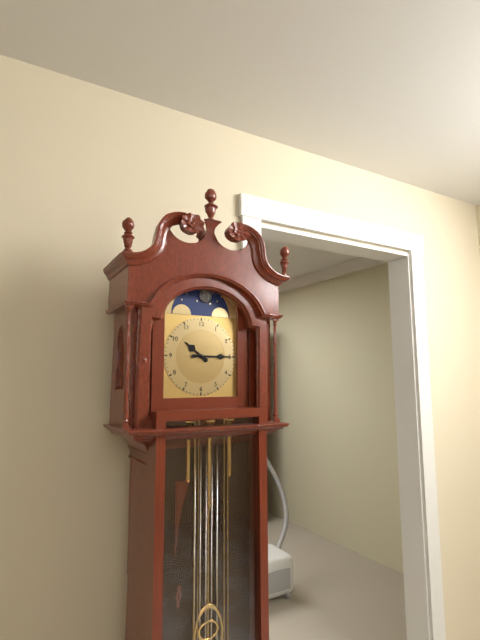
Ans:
10.15
